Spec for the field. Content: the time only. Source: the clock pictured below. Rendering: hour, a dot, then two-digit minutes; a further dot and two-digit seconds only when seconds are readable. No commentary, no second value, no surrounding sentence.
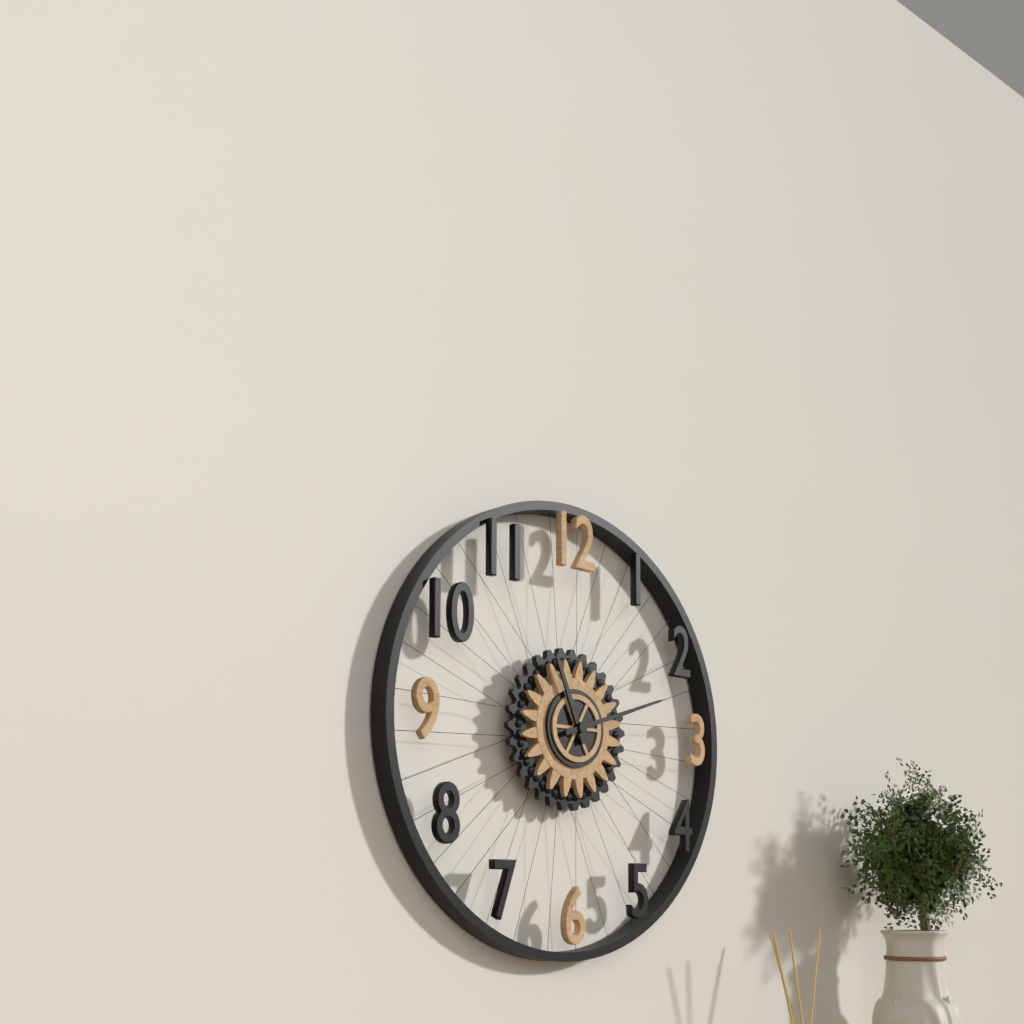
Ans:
11.12
